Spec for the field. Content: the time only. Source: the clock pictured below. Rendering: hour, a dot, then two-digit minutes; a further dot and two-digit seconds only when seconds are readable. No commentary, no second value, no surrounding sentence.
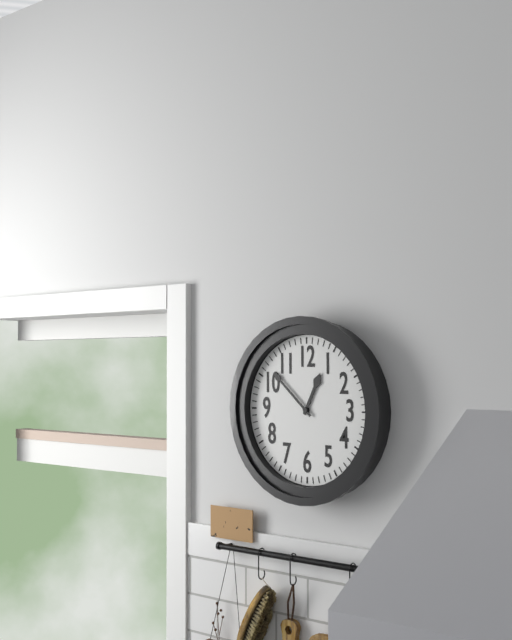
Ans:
12.52
